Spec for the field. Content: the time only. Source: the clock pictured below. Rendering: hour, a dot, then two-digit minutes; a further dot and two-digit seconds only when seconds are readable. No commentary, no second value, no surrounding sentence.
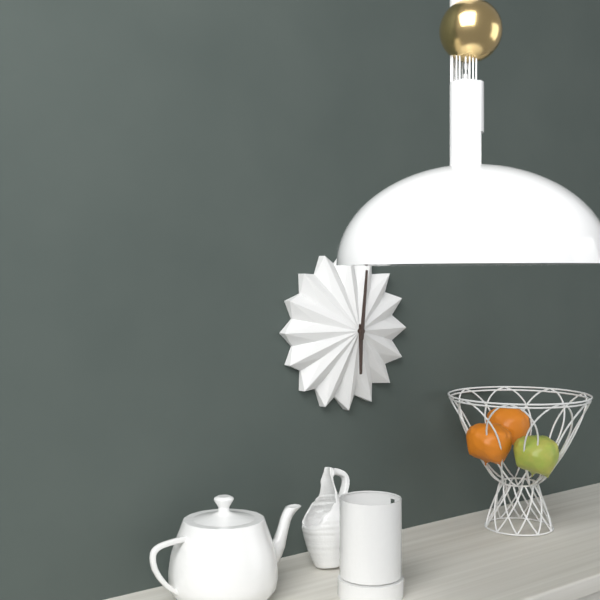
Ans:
6.01
